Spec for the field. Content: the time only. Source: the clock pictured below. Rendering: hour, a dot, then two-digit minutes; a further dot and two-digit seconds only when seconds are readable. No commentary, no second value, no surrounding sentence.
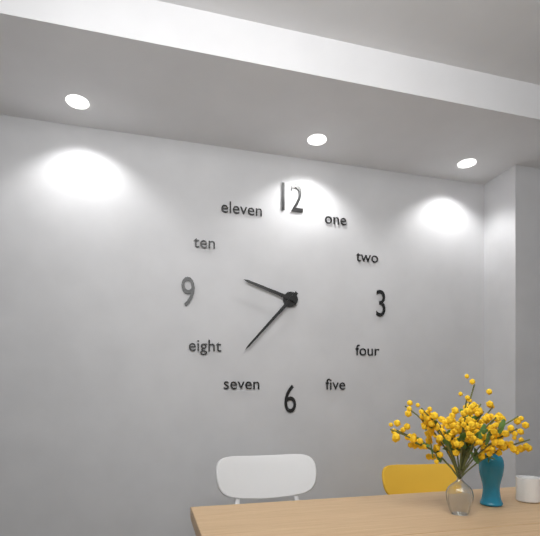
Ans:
9.37
